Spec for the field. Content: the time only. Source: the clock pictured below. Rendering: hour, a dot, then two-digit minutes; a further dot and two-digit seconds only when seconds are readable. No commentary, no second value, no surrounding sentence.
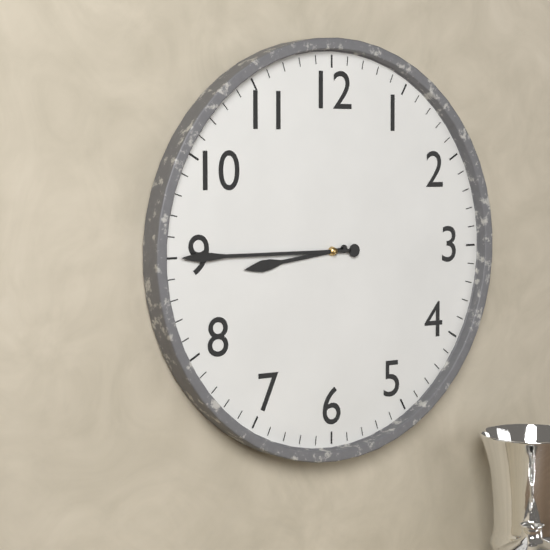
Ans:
8.45
